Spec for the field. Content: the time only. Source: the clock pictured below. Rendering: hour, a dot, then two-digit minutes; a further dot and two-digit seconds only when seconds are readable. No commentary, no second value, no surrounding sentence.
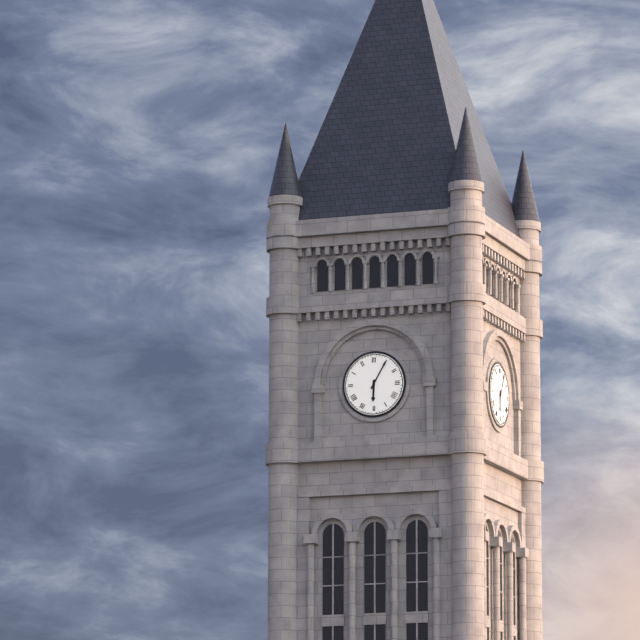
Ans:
6.05
